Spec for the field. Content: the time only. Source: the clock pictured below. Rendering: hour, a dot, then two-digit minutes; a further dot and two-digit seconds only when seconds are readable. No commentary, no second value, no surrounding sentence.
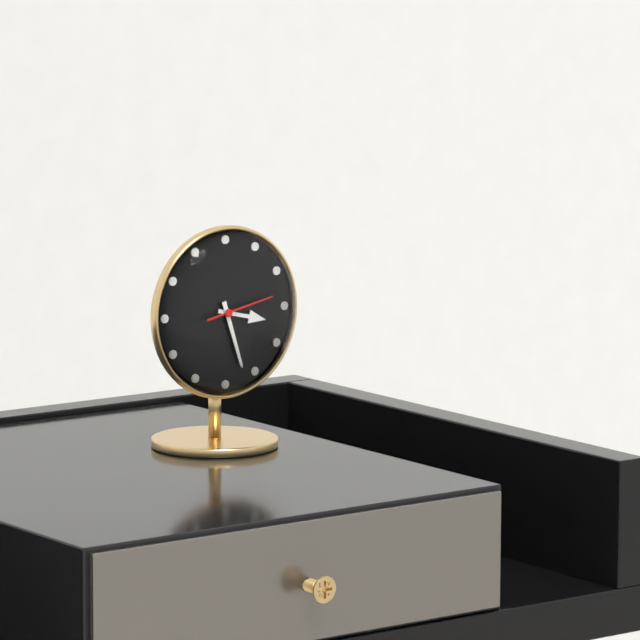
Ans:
3.27.13
